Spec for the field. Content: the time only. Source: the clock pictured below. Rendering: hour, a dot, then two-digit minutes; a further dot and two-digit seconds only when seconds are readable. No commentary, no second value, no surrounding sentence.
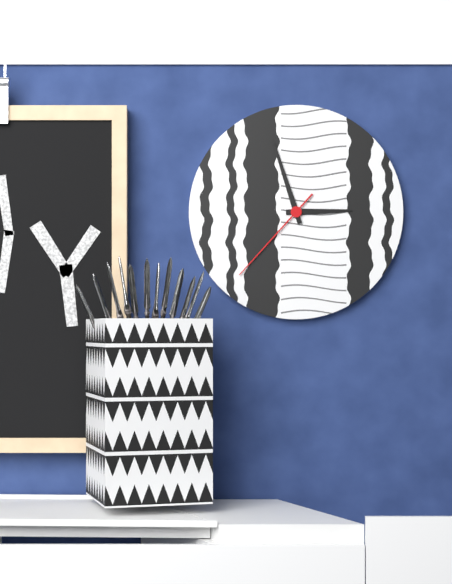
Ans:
2.57.37
